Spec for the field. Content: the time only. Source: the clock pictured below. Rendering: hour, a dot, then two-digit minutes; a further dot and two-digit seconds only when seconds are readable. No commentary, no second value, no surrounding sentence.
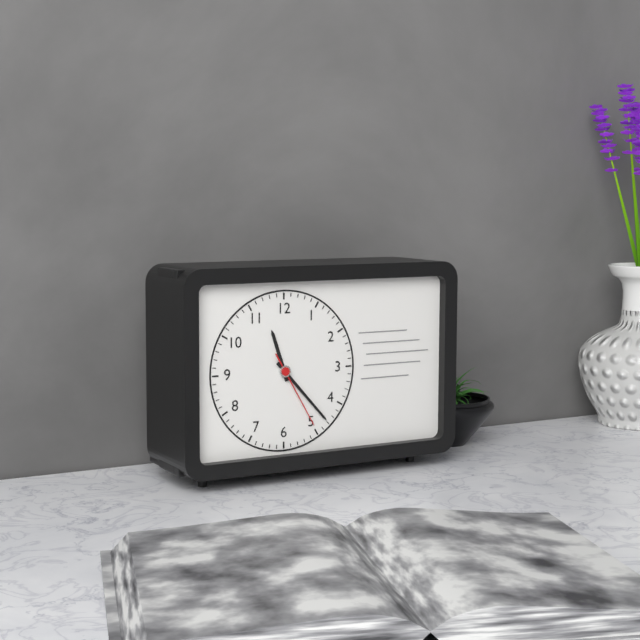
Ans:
11.23.25
